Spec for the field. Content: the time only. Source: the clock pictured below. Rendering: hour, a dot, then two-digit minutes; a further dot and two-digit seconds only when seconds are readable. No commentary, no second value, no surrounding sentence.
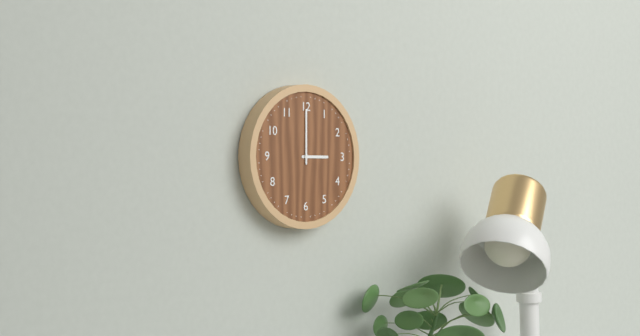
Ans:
3.00
